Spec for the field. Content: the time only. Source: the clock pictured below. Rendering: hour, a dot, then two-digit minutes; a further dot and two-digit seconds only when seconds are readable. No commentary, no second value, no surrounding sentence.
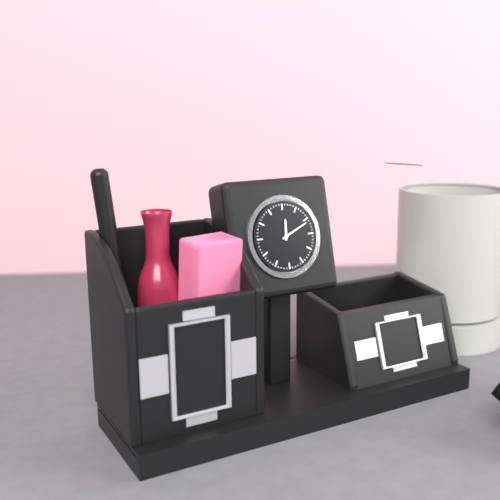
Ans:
12.11
